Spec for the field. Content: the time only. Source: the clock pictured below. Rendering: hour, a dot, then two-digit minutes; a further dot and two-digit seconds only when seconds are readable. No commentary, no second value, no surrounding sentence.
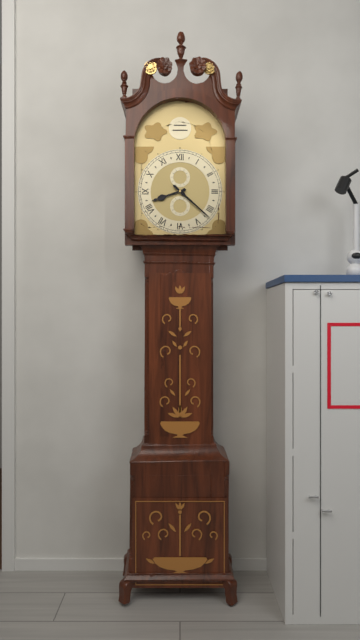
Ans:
8.22
